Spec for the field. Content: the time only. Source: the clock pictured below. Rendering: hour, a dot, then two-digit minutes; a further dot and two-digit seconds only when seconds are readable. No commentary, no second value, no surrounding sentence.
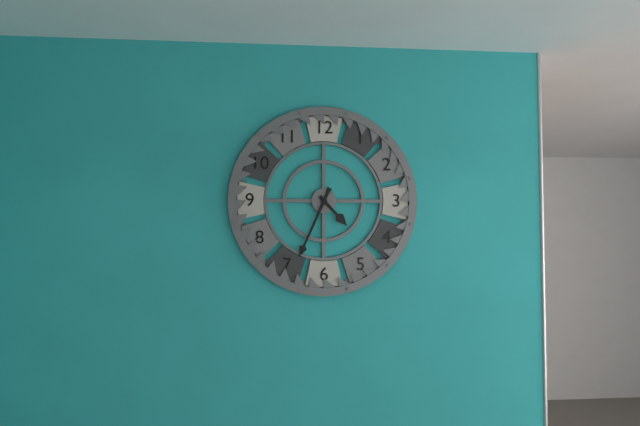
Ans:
4.34
